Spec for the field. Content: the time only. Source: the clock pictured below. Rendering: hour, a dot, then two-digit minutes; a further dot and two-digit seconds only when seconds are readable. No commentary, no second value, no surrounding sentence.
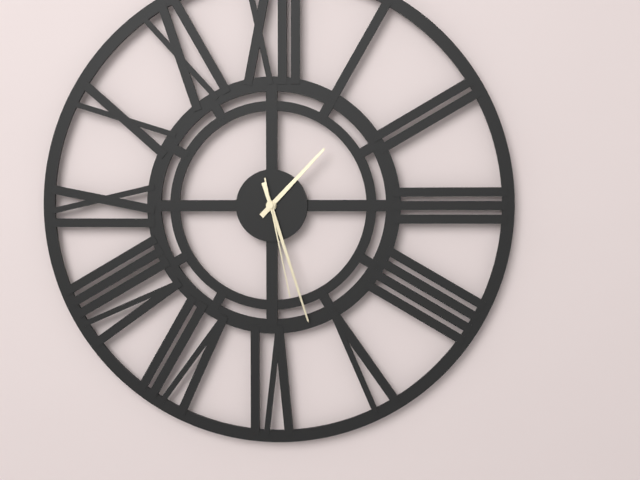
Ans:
1.27.28
